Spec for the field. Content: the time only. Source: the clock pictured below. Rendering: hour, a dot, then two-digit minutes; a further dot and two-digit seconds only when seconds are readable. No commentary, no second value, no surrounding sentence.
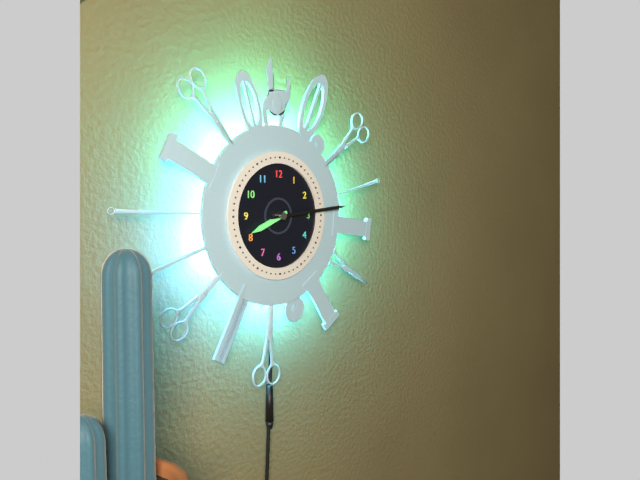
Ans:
8.14
